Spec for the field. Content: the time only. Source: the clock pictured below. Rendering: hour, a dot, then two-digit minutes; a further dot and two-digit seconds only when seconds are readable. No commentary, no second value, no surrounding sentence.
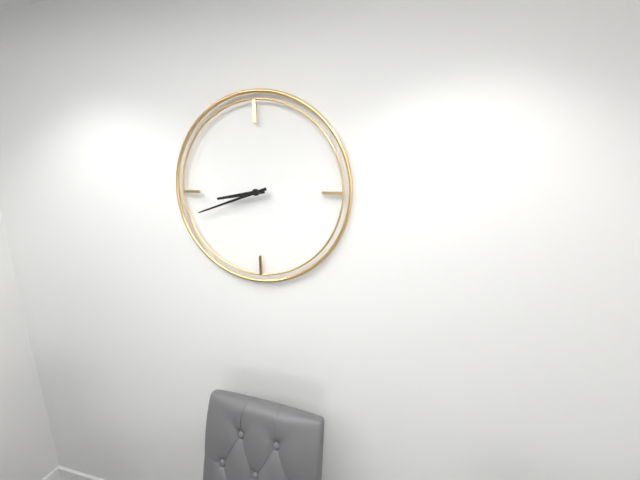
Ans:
8.42
